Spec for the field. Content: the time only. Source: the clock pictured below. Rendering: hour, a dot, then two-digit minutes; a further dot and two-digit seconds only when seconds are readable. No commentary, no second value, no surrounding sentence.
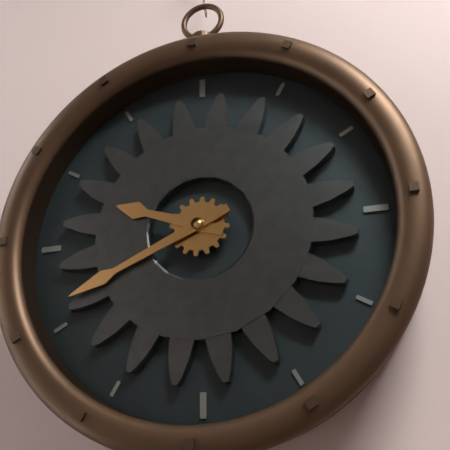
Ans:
9.41
